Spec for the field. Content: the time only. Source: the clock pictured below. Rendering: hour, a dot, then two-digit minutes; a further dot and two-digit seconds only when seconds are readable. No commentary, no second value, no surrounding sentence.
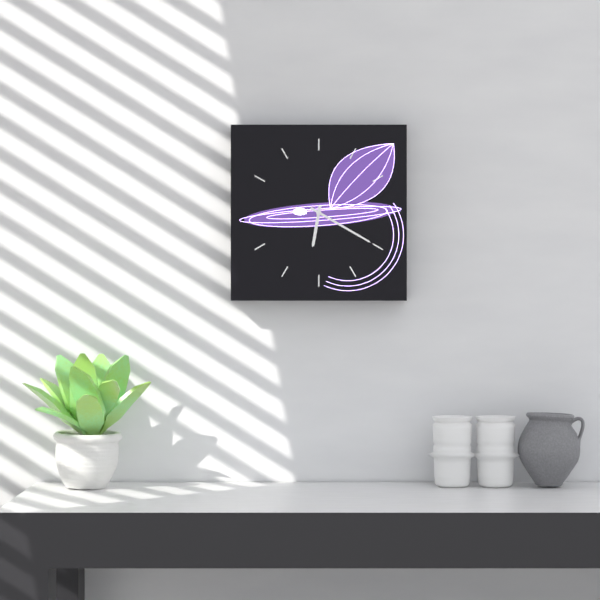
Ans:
6.20
